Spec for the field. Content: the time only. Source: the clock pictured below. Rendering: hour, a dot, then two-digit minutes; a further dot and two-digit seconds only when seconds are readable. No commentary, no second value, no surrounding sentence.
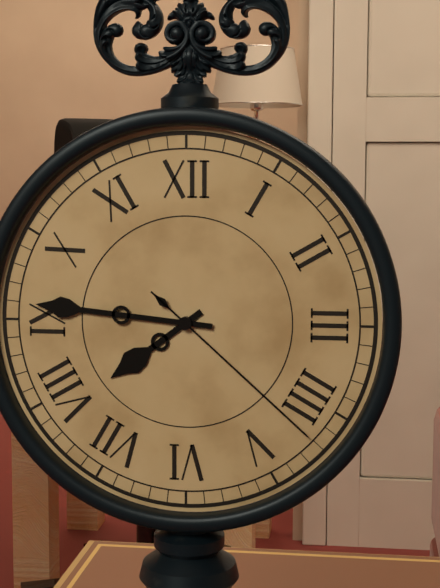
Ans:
7.46.22
